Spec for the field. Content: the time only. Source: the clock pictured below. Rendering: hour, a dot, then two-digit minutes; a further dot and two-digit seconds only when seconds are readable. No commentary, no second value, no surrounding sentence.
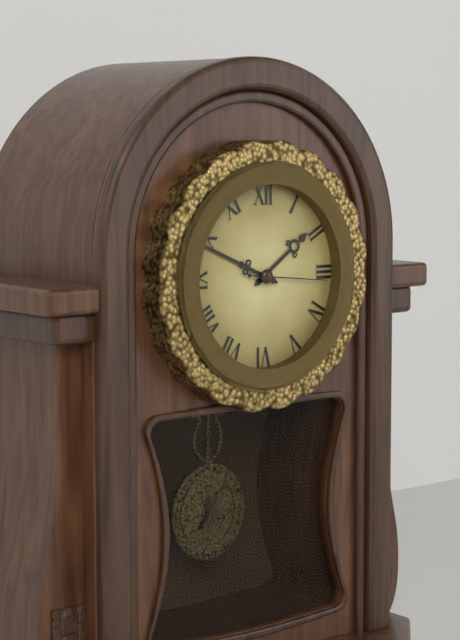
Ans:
1.49.16
